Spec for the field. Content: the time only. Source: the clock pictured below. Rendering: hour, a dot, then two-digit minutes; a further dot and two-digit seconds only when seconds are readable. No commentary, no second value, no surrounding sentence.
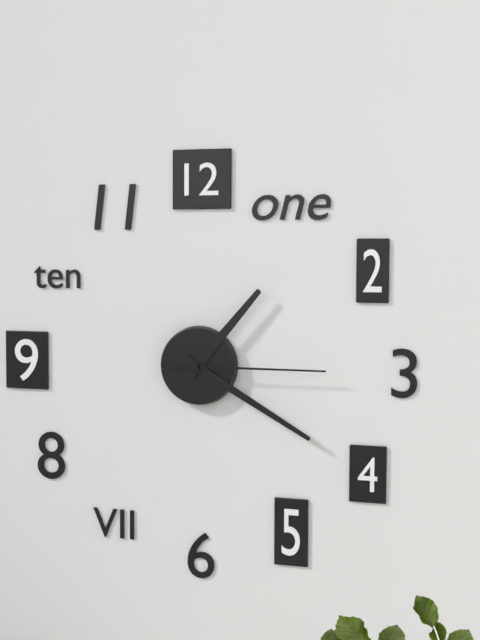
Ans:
1.20.15
